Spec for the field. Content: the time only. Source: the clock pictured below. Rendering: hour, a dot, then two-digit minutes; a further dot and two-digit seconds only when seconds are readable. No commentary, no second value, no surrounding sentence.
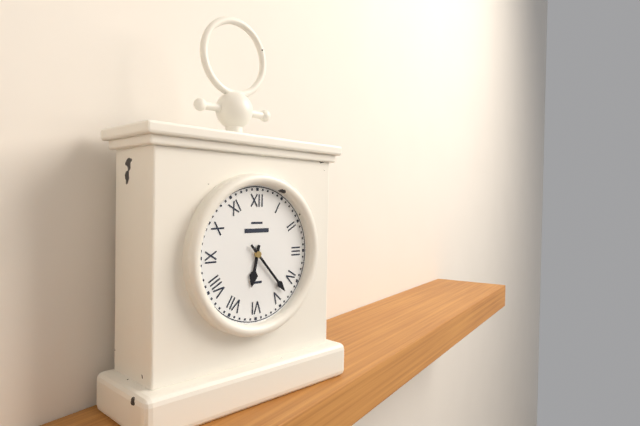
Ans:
6.23
